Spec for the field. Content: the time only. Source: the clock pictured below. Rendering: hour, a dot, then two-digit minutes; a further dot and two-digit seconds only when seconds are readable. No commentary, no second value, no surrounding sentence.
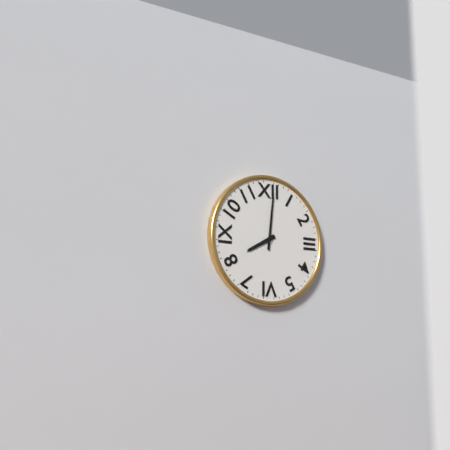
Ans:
8.01
